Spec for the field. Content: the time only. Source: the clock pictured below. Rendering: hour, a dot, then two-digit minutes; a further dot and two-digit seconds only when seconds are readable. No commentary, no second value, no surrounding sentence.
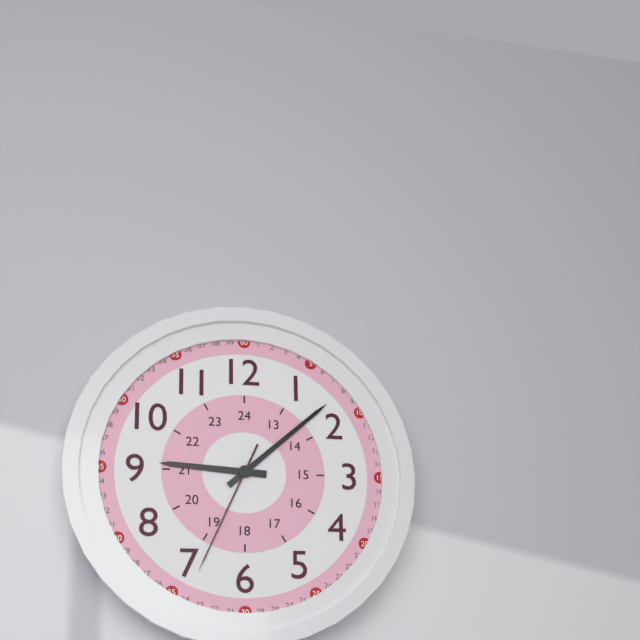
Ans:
9.08.34
